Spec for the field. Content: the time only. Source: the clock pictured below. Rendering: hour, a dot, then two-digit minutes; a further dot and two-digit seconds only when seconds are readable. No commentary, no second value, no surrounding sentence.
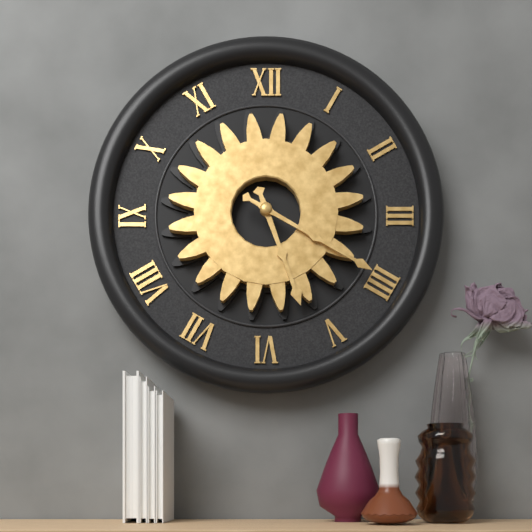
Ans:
5.20
